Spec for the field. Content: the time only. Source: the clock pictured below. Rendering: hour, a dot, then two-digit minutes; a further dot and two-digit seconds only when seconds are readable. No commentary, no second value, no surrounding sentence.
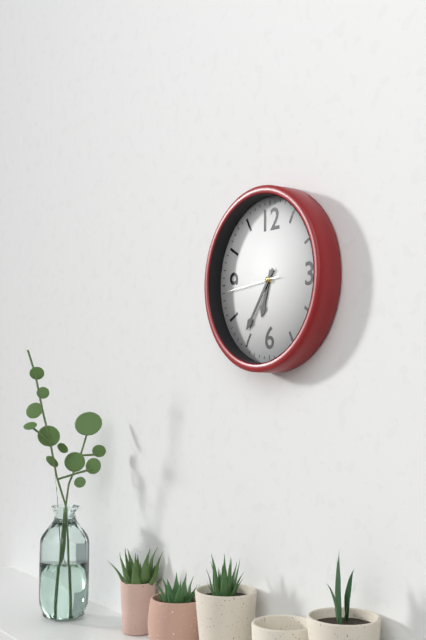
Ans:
6.36.44
